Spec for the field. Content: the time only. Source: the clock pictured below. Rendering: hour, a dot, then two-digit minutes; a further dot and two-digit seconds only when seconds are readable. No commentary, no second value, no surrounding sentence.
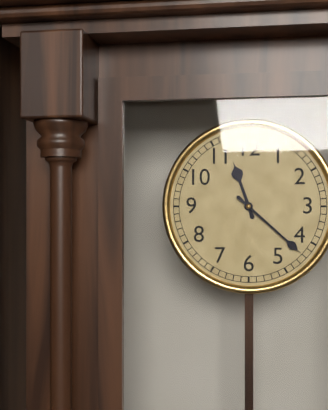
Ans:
11.22
